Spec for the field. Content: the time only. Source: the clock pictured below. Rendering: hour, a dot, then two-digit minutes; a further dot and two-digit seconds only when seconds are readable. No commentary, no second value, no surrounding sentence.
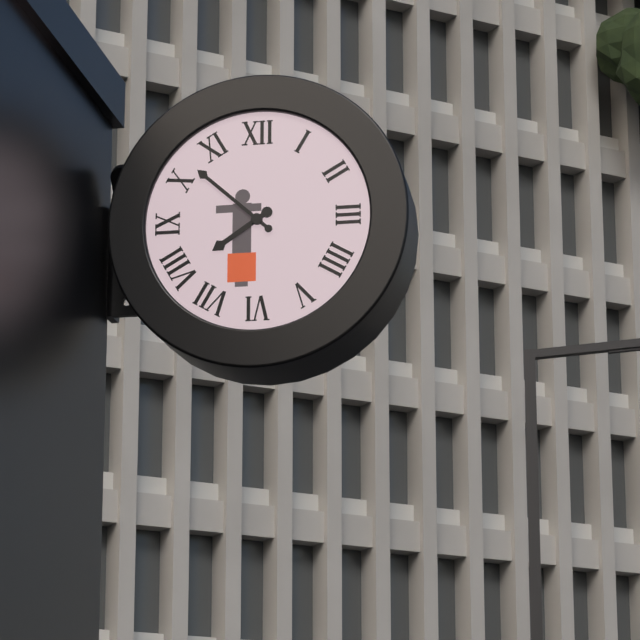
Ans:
7.52
